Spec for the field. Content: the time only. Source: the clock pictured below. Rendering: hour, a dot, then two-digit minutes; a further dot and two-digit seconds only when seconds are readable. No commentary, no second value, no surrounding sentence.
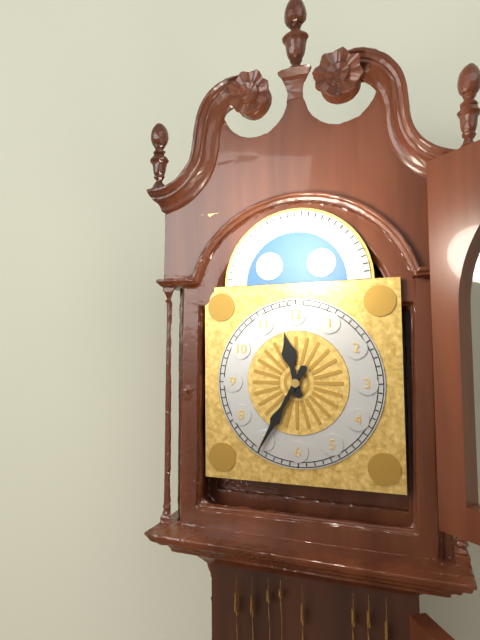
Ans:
11.35
